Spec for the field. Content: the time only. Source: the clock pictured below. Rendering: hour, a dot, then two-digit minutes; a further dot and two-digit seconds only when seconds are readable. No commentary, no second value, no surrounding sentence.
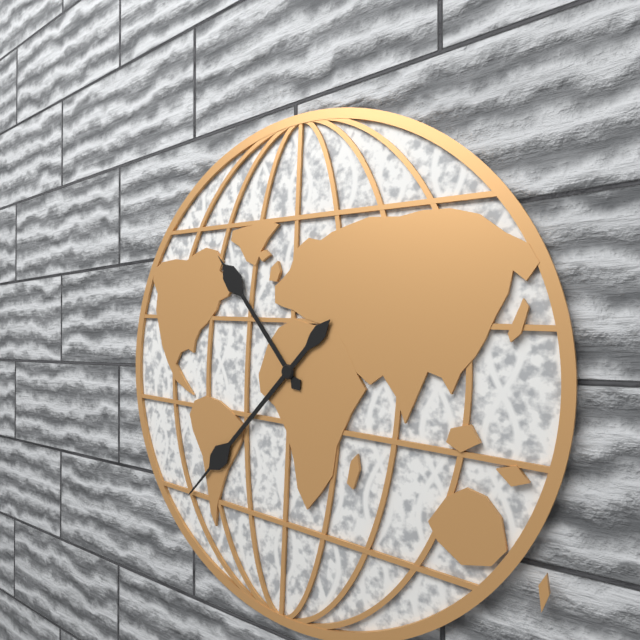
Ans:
10.37
